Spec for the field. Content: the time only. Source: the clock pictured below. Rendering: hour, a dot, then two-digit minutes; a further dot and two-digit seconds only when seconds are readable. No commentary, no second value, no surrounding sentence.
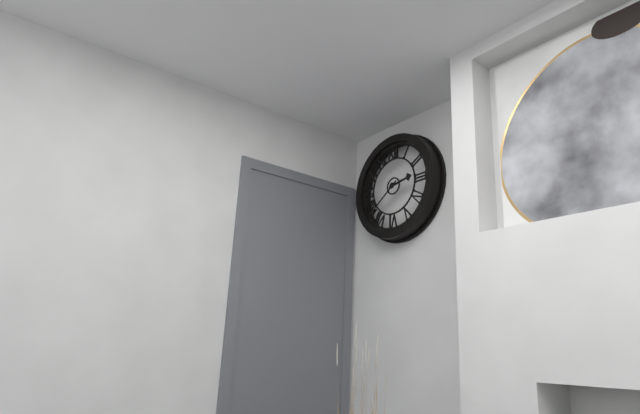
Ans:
2.39
